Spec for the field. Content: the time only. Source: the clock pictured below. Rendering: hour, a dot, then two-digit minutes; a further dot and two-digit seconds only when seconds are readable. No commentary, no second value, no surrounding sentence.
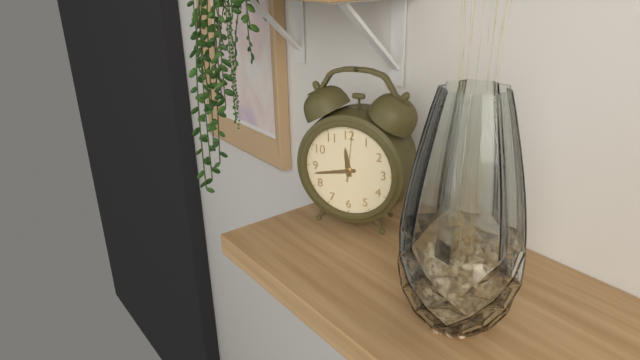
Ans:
11.43.01
